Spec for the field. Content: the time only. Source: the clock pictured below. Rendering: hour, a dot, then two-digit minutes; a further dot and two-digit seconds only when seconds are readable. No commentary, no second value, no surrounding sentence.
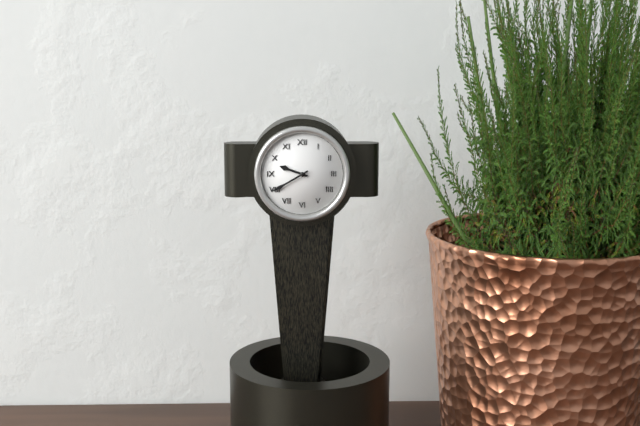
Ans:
9.40
